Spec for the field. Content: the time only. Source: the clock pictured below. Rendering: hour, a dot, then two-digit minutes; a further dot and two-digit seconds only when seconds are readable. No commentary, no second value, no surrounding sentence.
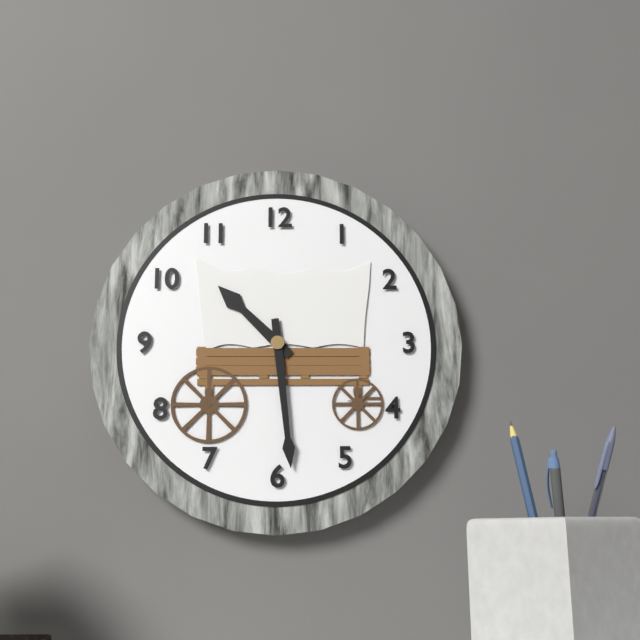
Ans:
10.29
